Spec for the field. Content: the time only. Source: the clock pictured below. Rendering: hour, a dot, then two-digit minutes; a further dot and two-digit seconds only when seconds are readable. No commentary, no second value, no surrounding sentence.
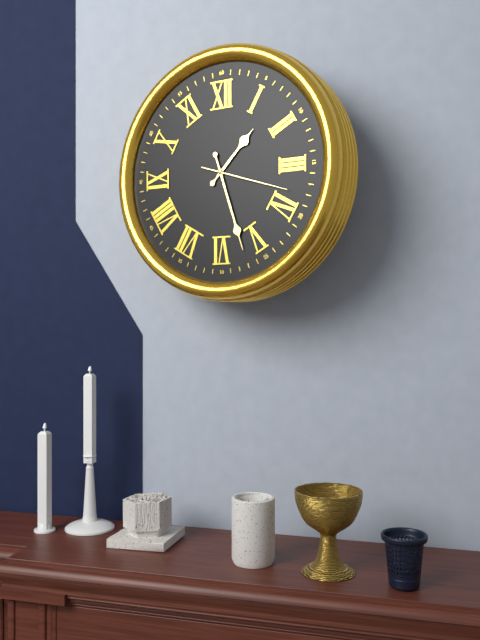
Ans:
1.27.18
